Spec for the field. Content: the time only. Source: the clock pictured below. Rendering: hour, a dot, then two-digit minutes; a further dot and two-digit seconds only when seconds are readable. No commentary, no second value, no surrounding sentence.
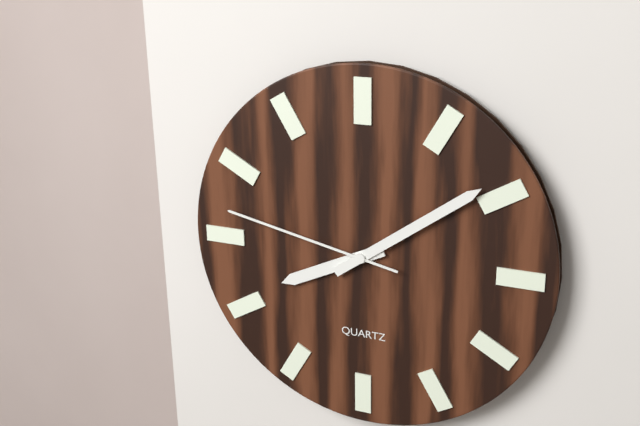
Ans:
8.09.47
